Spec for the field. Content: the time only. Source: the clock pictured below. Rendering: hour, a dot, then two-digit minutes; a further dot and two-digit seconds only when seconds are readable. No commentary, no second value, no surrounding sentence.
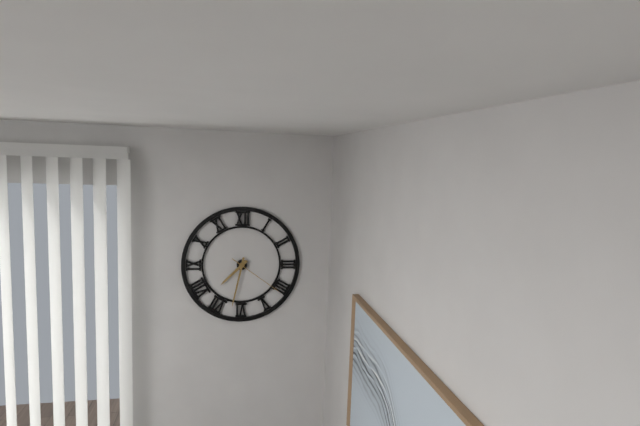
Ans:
7.32.21
